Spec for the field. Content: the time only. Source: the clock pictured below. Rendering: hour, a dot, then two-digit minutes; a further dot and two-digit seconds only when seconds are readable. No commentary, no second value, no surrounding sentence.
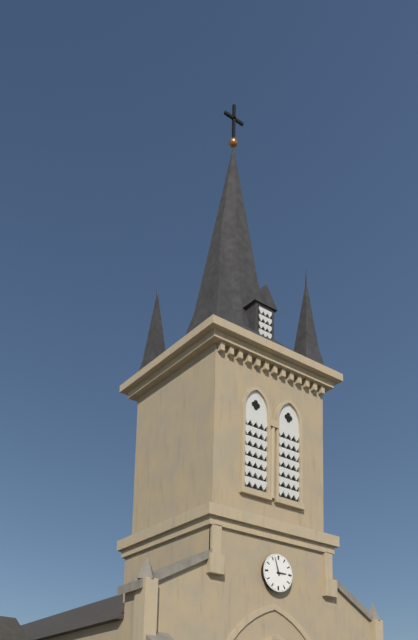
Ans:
2.57
